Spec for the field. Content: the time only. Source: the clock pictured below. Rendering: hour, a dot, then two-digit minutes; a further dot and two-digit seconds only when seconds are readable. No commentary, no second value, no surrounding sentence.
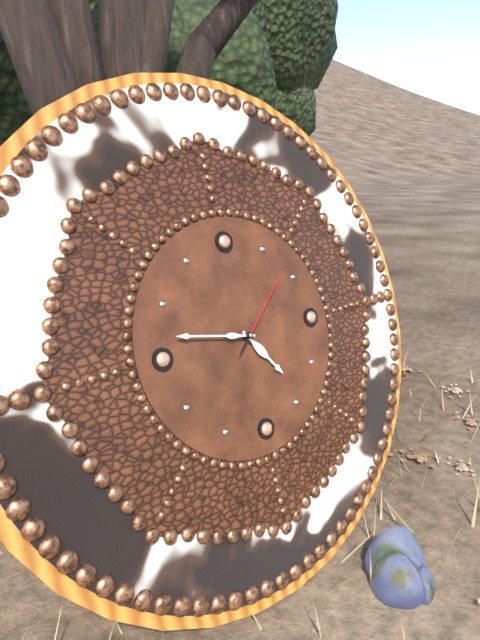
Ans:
4.47.08
